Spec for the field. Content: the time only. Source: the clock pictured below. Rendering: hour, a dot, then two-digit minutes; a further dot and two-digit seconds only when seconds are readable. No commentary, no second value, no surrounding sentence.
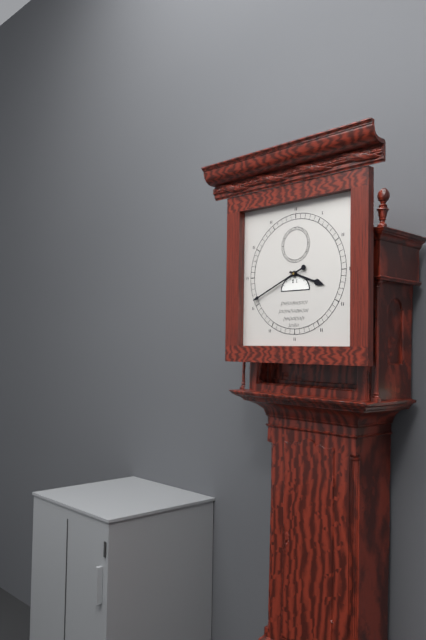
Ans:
3.41
